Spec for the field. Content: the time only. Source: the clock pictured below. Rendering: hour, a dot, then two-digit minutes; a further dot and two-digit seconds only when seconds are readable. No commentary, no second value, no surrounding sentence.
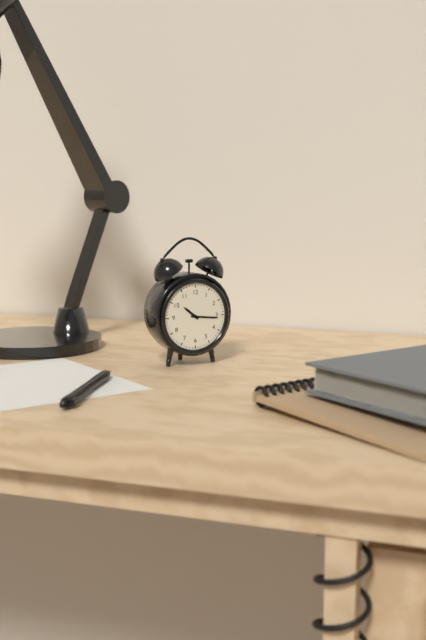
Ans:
10.16
